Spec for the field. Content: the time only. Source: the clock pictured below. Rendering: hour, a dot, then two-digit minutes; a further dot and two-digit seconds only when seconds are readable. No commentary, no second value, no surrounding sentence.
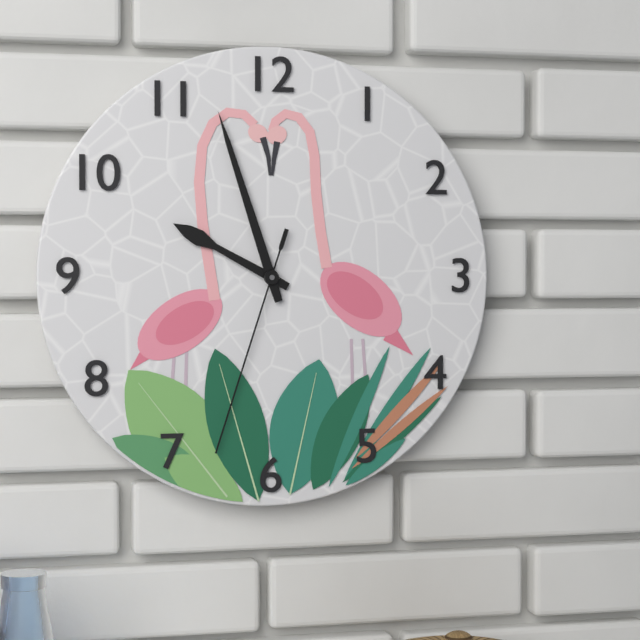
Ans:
9.57.33
